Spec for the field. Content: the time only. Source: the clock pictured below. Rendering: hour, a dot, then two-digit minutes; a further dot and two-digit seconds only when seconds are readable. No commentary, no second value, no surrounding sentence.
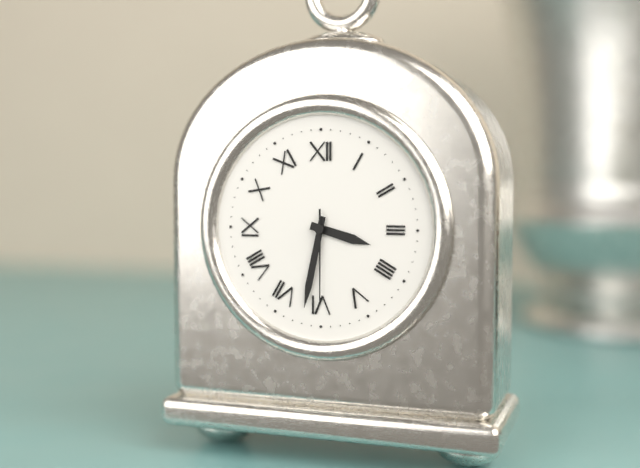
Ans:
3.32.30
